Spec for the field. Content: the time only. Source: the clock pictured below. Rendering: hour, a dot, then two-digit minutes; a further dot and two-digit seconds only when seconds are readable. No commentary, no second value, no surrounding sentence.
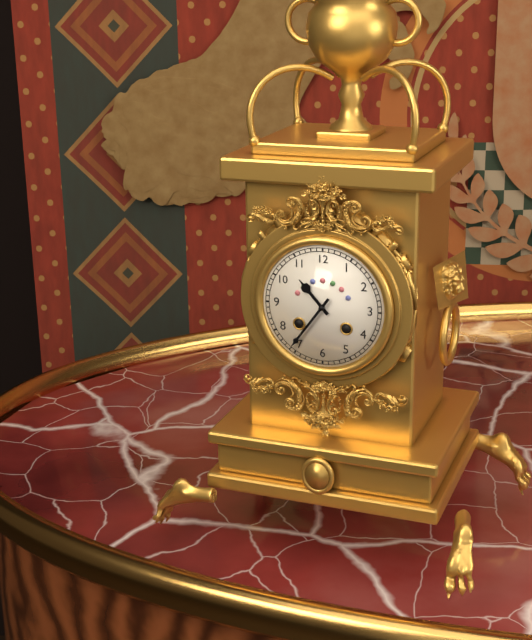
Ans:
10.36
